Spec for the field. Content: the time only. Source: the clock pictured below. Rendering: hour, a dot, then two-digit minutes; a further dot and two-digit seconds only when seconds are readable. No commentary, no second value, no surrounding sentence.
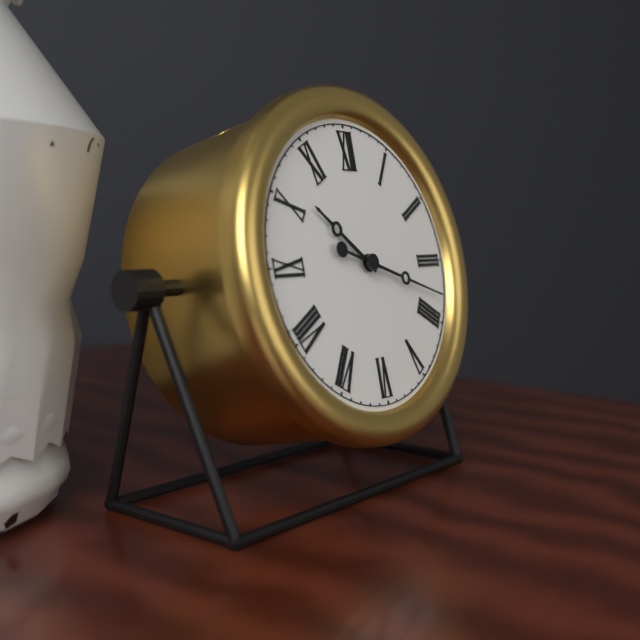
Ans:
10.18
